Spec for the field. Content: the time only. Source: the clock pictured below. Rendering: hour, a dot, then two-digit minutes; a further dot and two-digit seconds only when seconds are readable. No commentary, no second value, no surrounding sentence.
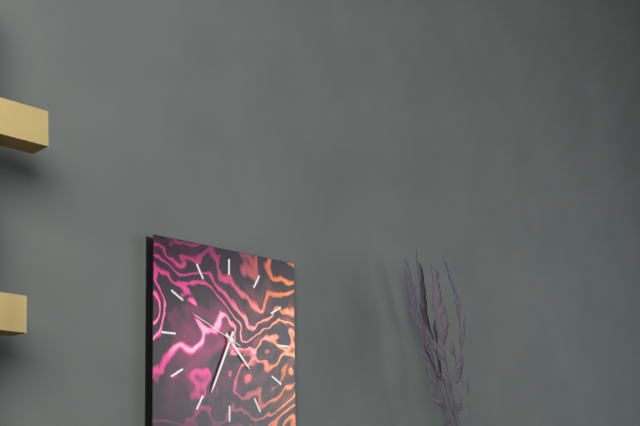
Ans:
4.34.49
